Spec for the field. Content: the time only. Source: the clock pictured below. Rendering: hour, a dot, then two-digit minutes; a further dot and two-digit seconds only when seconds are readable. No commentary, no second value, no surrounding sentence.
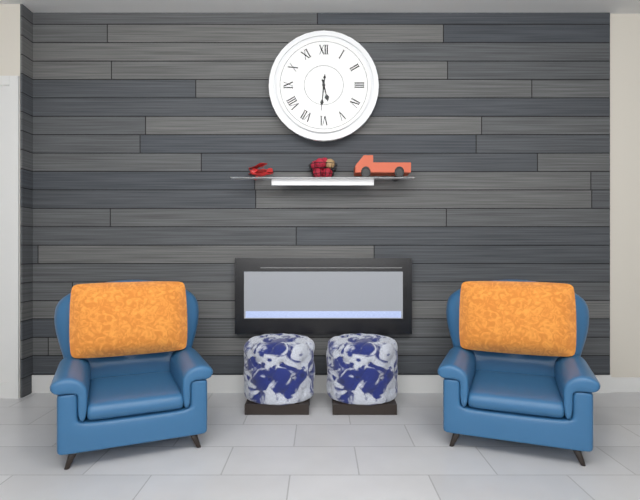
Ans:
5.31
